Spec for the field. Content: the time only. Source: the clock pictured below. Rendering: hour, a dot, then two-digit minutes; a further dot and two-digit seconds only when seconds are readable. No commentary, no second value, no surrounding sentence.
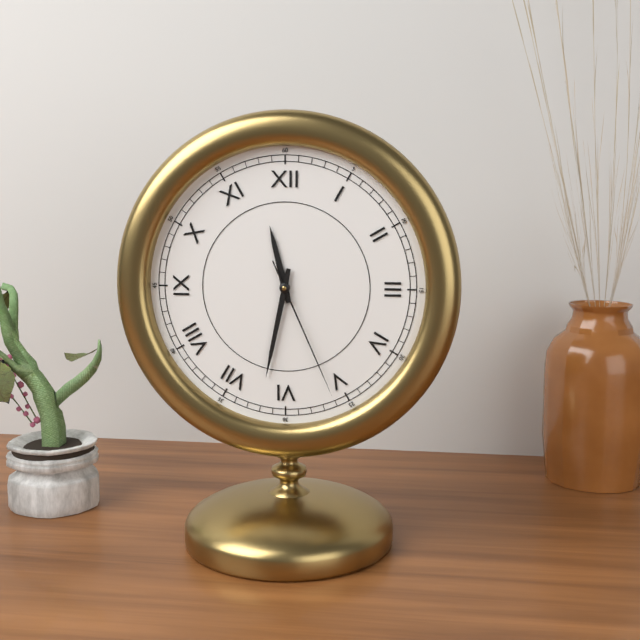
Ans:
11.32.26
